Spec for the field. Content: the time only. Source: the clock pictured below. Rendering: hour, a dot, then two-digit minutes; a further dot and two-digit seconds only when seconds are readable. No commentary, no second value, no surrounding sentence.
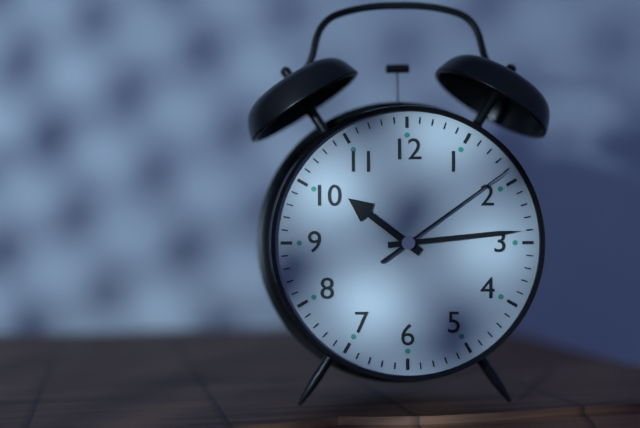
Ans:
10.14.09
